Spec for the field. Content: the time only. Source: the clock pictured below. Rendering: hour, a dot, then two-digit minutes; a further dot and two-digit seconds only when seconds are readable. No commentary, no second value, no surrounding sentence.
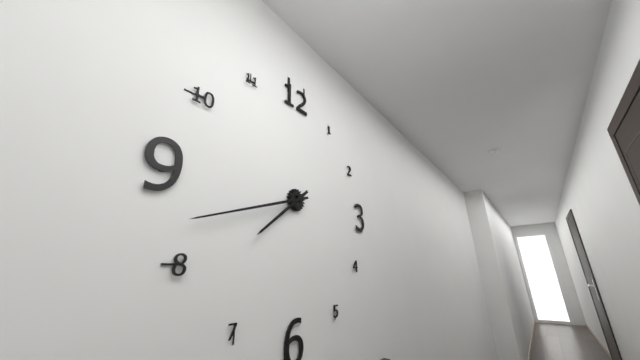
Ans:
7.42
